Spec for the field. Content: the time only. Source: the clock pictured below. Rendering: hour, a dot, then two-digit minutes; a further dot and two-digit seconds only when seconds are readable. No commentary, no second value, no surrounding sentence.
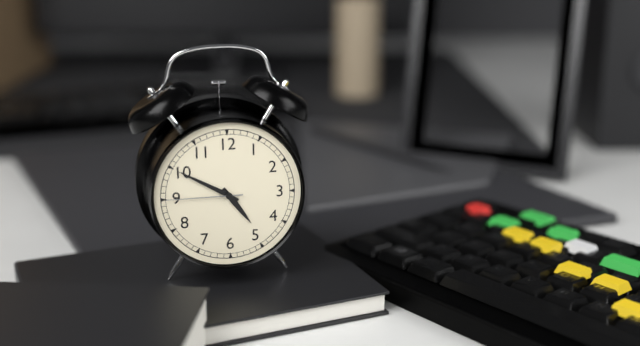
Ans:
4.50.45
